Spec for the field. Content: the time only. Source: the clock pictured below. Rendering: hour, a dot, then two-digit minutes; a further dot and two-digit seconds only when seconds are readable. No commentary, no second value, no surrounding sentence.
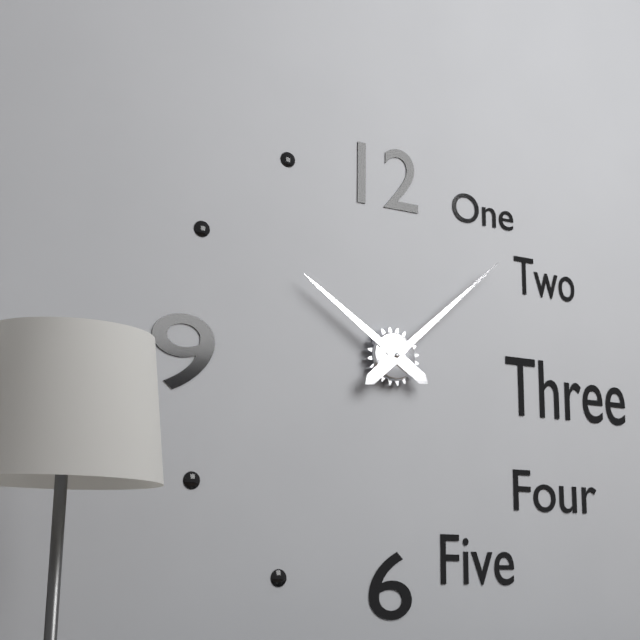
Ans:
10.08
